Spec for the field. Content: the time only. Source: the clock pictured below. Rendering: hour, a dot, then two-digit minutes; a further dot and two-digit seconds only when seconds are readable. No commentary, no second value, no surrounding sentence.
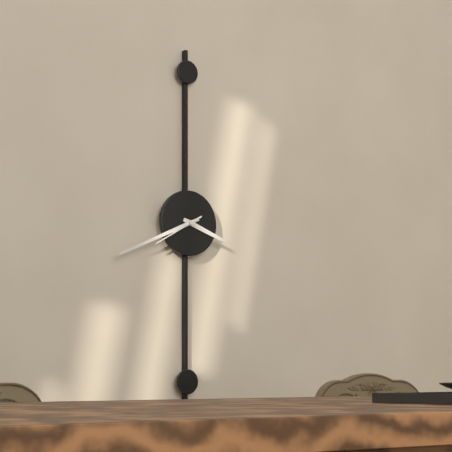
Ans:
3.41.40
